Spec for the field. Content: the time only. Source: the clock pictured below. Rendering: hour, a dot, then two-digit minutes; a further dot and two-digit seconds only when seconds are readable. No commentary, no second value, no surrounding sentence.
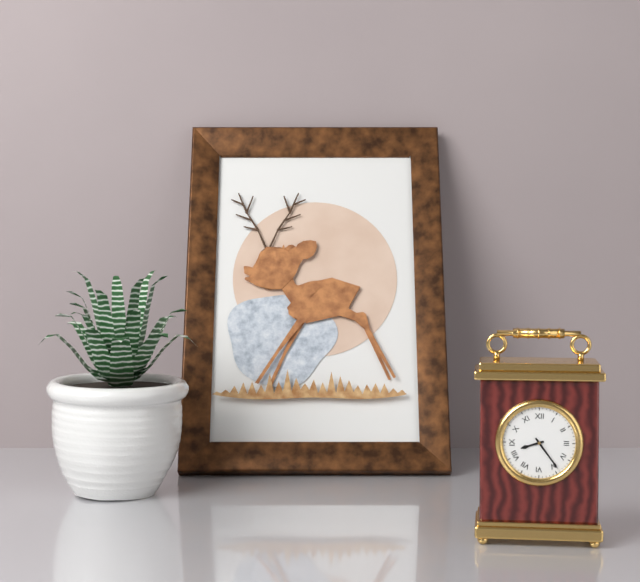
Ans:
8.24
